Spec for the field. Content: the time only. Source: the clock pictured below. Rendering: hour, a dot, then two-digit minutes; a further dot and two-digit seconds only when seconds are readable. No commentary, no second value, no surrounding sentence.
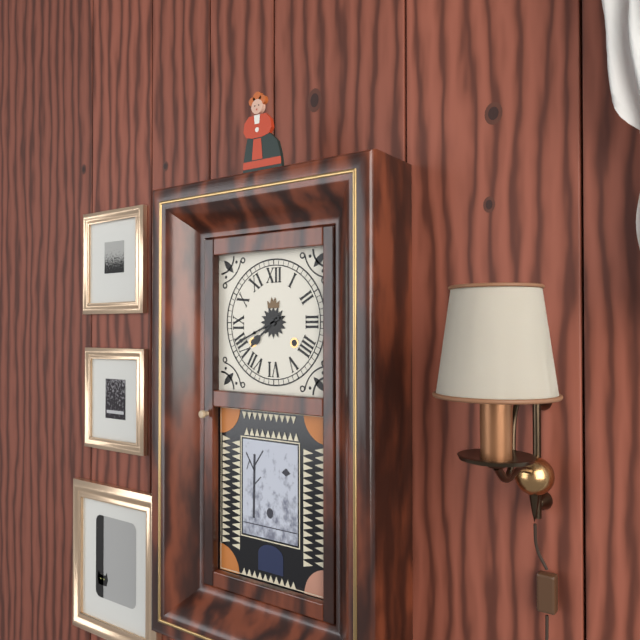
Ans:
7.41
